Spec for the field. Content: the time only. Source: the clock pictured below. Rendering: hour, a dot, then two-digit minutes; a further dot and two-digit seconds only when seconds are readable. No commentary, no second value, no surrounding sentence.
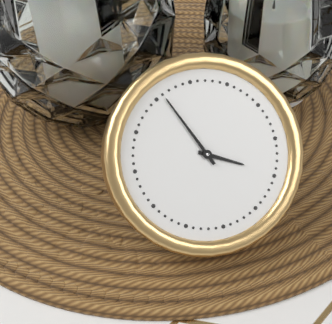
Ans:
3.56
